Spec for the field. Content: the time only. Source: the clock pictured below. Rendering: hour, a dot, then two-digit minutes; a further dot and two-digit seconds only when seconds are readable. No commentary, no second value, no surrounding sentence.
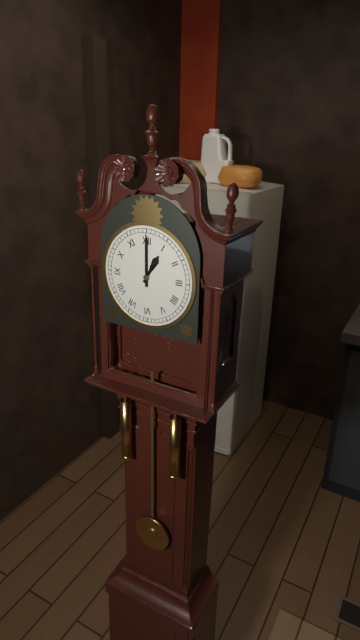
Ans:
1.00
